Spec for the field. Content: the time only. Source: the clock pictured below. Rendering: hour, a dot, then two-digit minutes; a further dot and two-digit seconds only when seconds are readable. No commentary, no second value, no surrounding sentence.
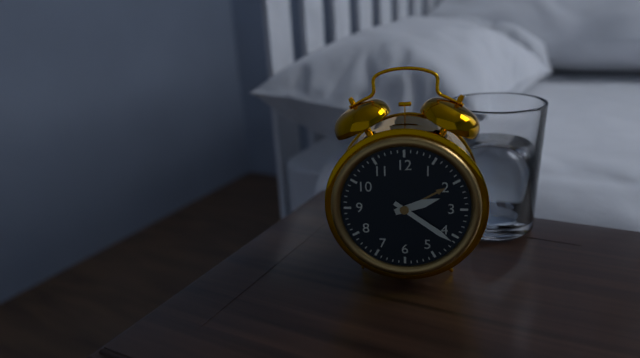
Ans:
2.21
